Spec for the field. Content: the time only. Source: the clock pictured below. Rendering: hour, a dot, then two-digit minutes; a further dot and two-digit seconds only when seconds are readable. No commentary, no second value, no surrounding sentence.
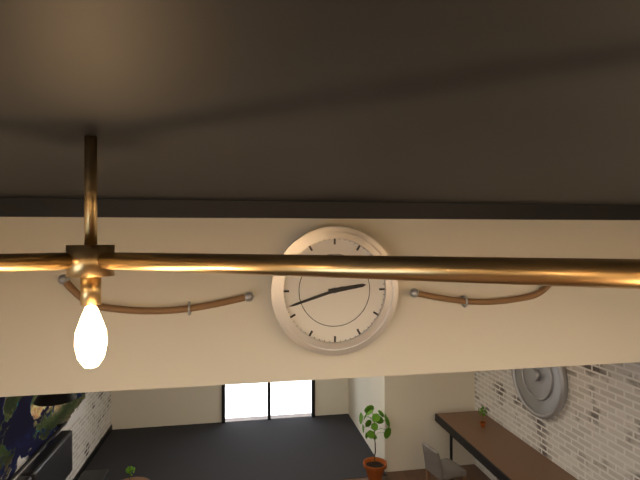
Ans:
2.42
